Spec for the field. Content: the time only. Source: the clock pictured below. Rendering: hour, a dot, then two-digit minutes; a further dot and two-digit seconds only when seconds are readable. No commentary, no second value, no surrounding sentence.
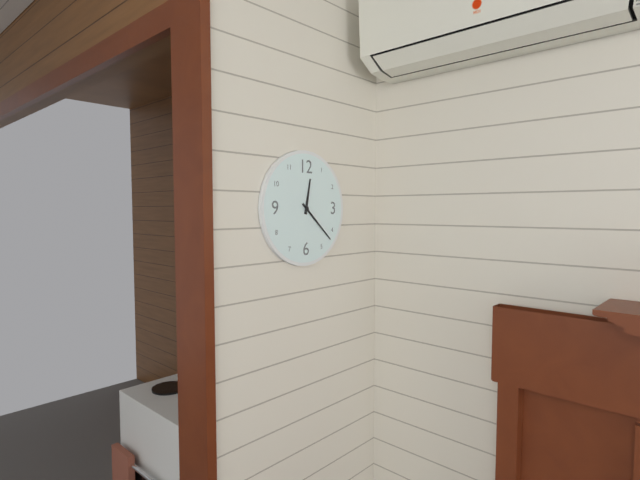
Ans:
12.22
